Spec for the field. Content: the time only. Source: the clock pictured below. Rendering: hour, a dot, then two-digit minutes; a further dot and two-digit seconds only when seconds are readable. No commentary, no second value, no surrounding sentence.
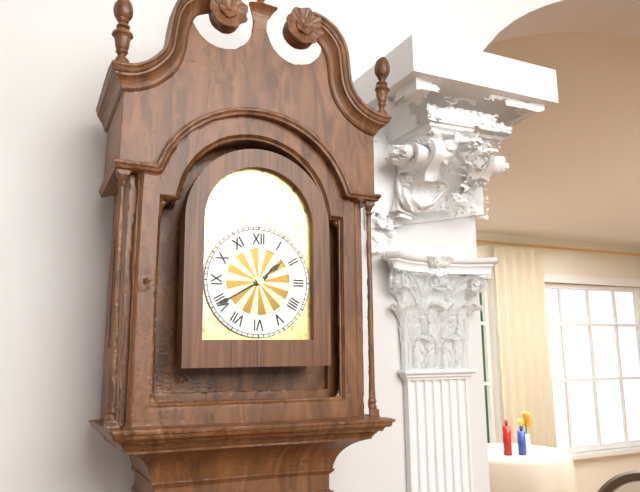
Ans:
1.40
